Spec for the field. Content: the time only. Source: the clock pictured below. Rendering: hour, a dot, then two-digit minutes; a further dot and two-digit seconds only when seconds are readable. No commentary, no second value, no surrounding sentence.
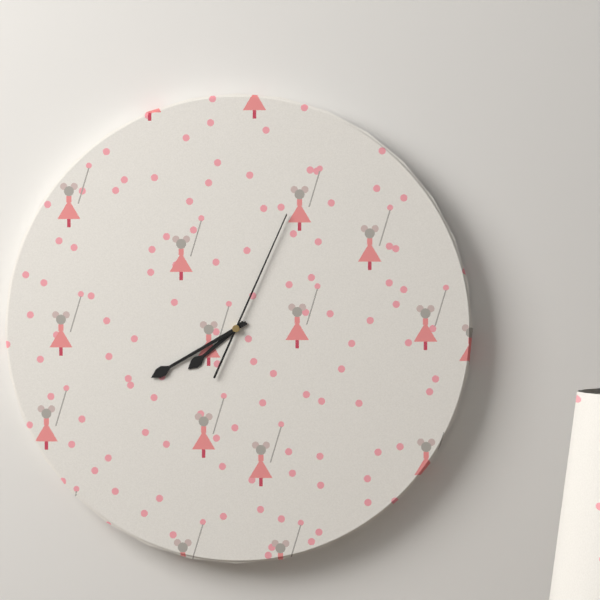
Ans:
7.40.04
